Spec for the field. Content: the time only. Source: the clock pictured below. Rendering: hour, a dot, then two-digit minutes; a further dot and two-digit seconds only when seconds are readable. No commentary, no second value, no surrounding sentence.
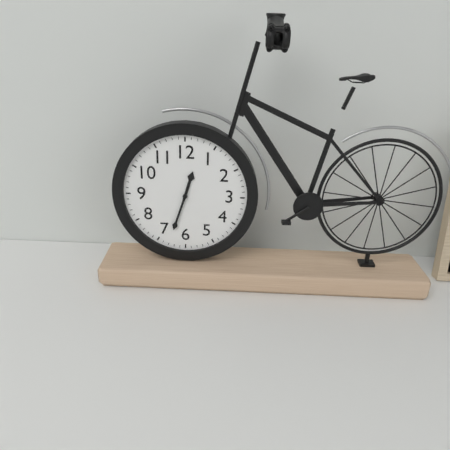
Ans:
12.33
